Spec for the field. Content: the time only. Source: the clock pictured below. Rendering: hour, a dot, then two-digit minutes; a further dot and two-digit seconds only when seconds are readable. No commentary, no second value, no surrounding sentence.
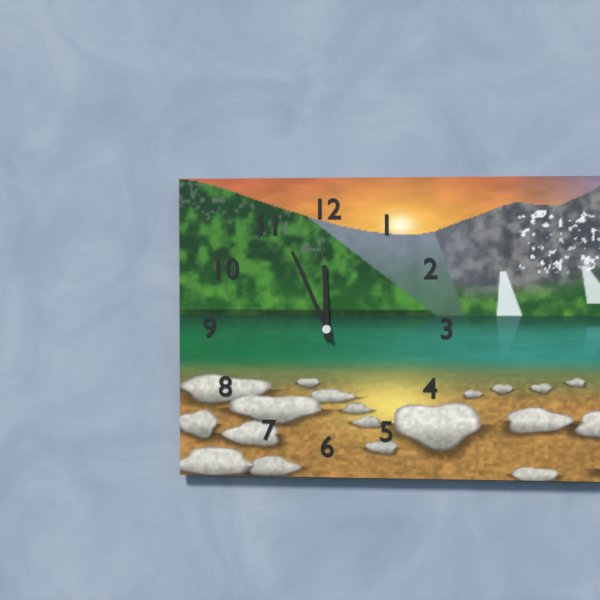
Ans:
11.56
